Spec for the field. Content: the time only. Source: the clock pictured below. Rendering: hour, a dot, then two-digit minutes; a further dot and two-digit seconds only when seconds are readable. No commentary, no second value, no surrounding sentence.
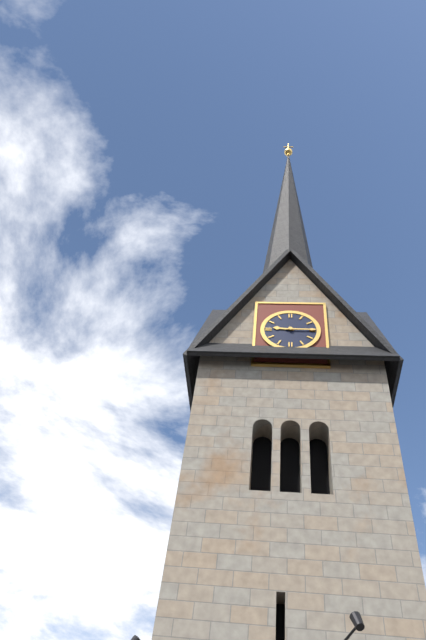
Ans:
9.15
